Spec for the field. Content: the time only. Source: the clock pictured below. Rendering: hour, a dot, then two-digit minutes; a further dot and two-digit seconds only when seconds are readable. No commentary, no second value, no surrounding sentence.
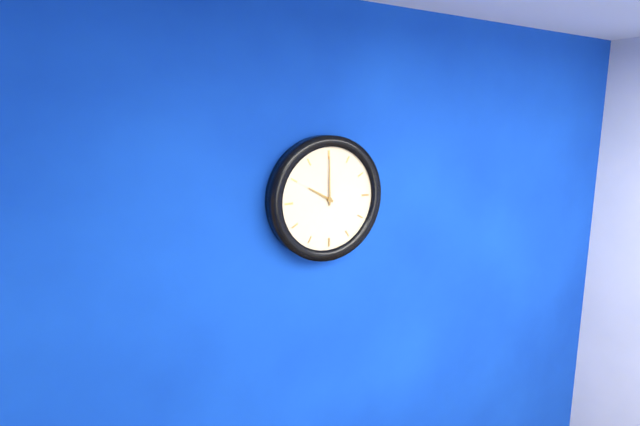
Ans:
10.00
